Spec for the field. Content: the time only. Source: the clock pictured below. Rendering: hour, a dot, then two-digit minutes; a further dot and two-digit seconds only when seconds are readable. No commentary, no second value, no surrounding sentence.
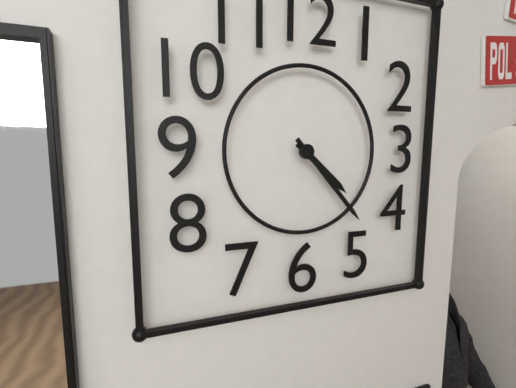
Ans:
4.23
